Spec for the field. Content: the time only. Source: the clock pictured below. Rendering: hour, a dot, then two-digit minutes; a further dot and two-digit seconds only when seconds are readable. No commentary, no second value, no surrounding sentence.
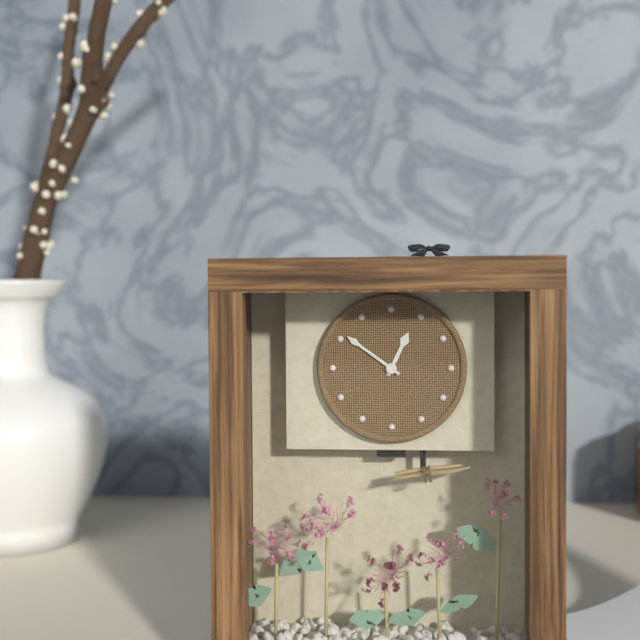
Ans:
12.51
